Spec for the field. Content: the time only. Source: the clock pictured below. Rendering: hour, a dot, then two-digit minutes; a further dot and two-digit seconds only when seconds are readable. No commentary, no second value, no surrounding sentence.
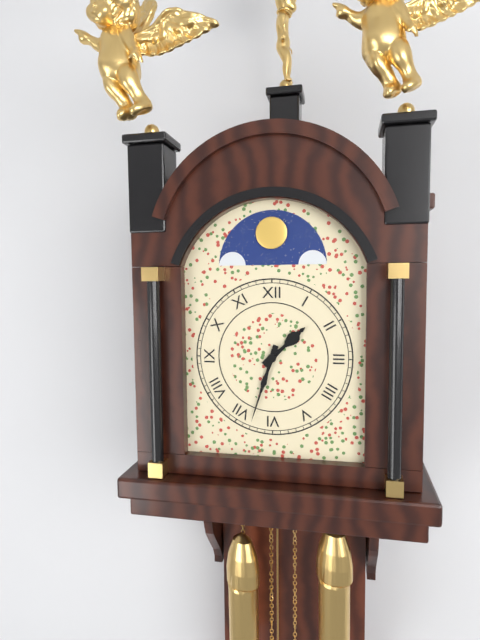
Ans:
1.33
